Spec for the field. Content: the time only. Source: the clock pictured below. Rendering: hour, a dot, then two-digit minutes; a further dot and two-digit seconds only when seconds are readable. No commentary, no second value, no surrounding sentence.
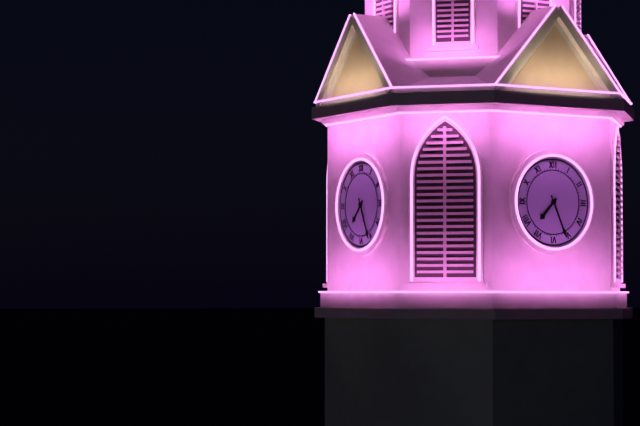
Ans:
7.26
